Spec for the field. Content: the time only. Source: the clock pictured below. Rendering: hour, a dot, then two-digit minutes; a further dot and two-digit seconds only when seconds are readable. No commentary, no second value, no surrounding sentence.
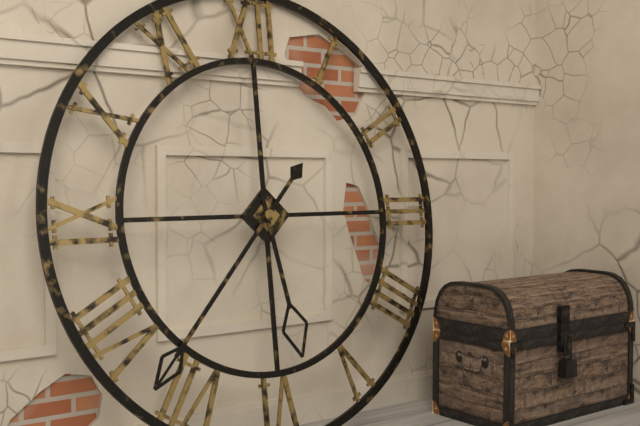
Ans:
5.37
